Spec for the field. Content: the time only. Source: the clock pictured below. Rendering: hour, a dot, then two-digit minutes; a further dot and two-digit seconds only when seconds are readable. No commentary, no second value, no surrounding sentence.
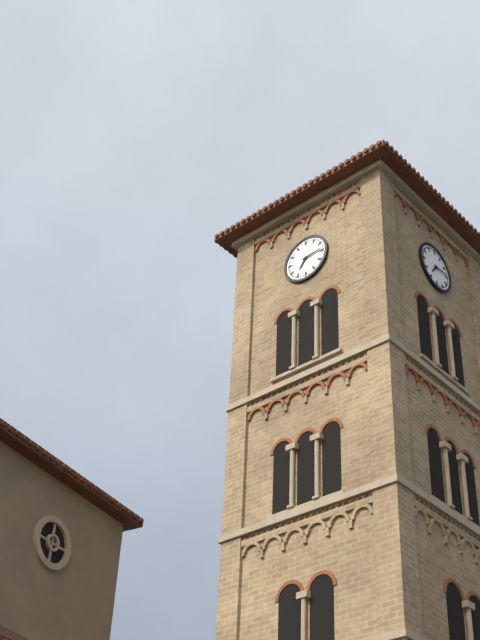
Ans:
7.14
